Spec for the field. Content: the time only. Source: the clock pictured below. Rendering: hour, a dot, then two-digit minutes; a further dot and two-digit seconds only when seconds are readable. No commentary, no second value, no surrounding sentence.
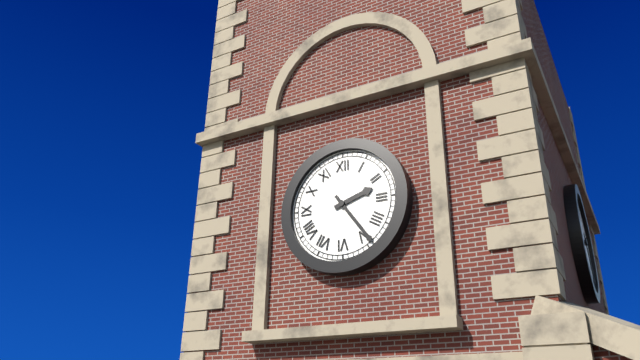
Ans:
2.24
